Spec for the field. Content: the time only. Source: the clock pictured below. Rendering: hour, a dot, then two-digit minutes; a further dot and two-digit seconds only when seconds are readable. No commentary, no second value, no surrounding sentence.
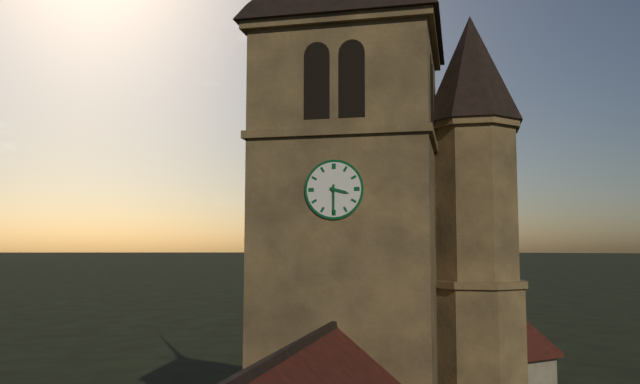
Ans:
3.30
